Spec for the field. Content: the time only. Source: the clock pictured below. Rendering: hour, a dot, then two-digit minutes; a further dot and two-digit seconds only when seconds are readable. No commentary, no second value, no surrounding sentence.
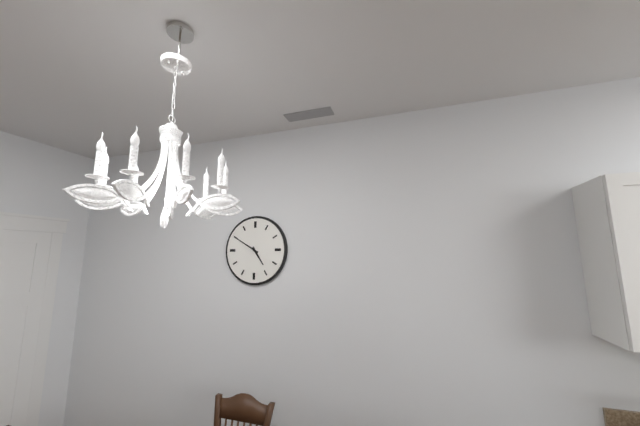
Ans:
4.50
